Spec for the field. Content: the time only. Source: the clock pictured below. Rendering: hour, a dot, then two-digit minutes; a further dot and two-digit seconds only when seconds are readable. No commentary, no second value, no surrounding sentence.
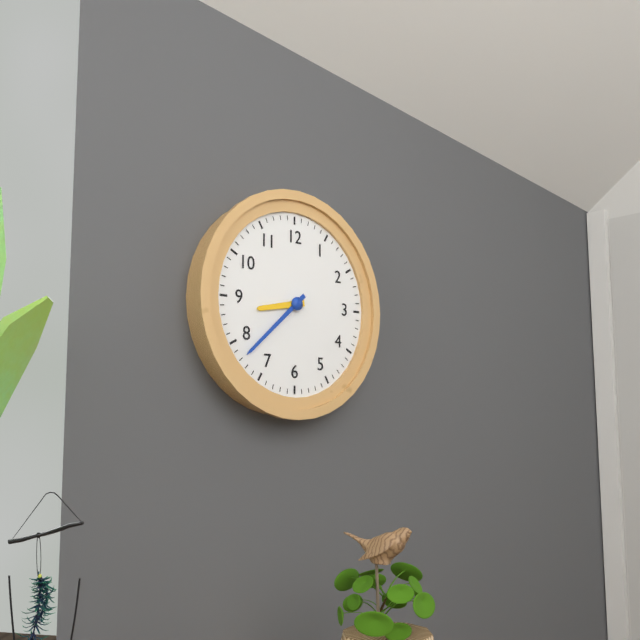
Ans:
8.38
